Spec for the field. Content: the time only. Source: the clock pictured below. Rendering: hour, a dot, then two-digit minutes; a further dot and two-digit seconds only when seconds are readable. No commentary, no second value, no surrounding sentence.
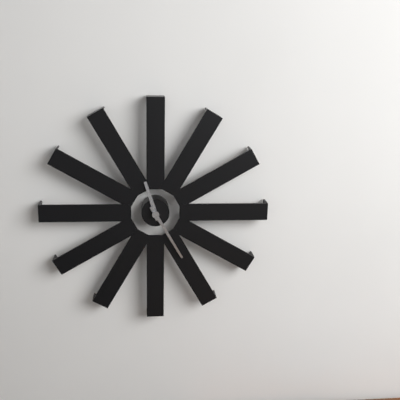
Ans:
11.25
